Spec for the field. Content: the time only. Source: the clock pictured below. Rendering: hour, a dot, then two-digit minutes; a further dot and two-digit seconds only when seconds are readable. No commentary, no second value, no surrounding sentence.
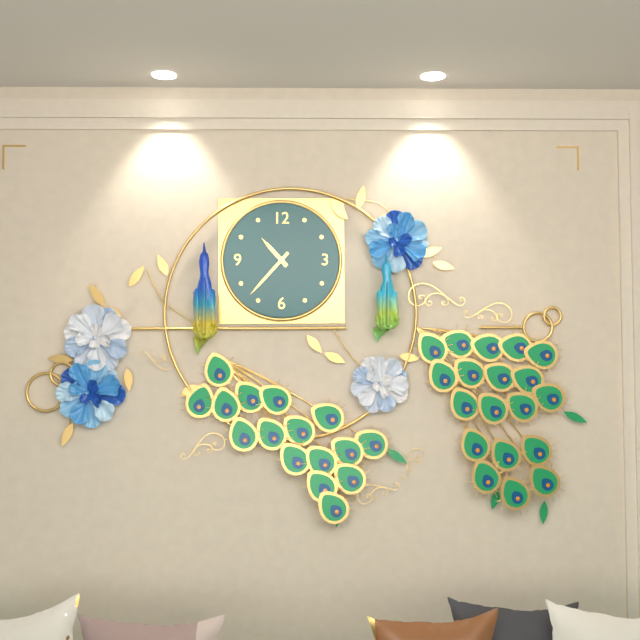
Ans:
10.37
